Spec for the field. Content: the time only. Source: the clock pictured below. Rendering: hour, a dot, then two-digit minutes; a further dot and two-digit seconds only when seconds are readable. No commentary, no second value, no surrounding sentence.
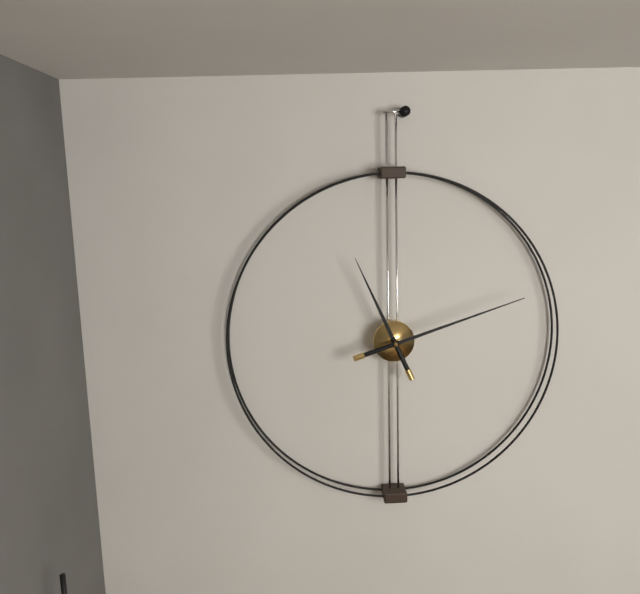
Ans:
11.12
